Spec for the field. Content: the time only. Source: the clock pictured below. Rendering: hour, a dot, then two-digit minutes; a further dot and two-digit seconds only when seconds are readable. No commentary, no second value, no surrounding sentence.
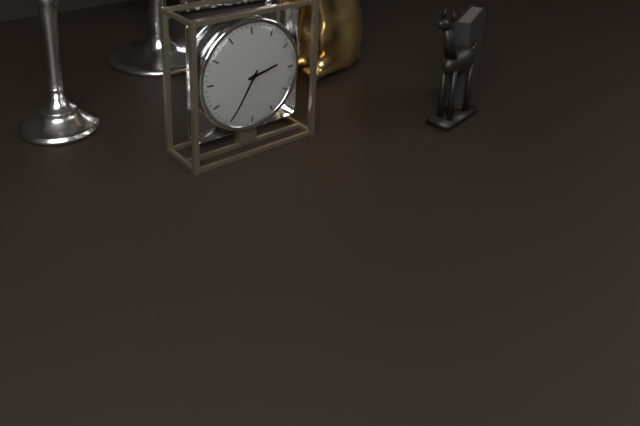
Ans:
2.35
